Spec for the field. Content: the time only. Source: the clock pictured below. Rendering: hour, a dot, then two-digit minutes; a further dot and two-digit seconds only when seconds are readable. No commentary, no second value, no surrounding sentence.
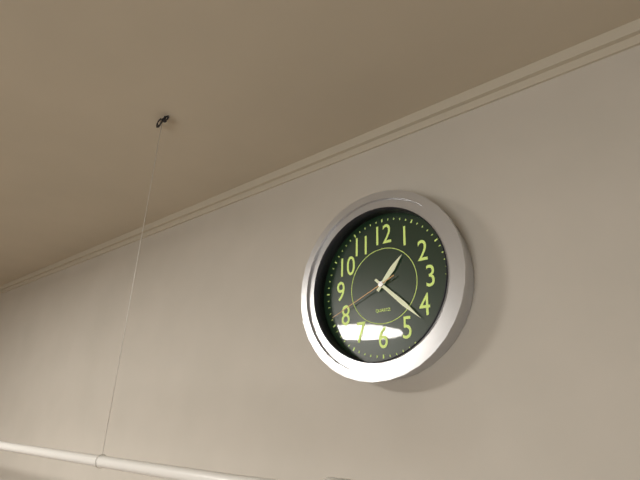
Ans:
1.22.41
